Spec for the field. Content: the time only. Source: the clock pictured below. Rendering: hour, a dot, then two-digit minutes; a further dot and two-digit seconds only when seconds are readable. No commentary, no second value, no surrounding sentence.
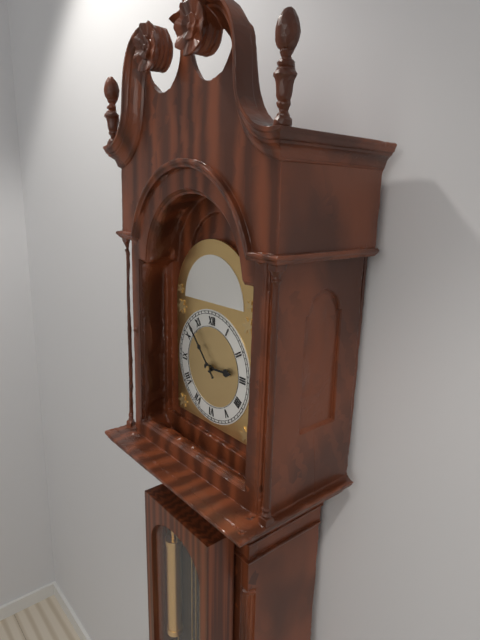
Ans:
2.53
